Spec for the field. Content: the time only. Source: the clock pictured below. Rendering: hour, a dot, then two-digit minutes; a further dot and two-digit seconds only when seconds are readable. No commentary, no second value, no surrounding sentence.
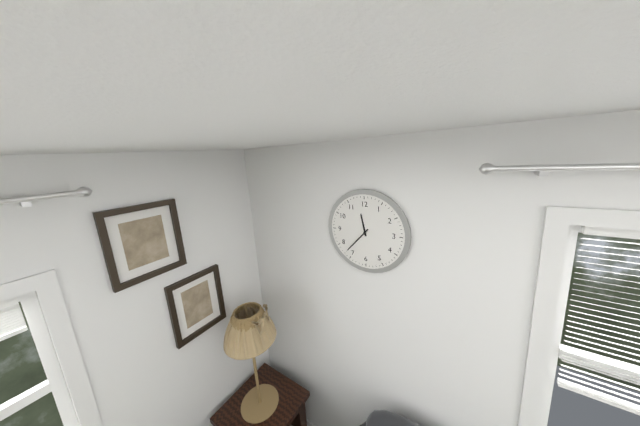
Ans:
11.37
